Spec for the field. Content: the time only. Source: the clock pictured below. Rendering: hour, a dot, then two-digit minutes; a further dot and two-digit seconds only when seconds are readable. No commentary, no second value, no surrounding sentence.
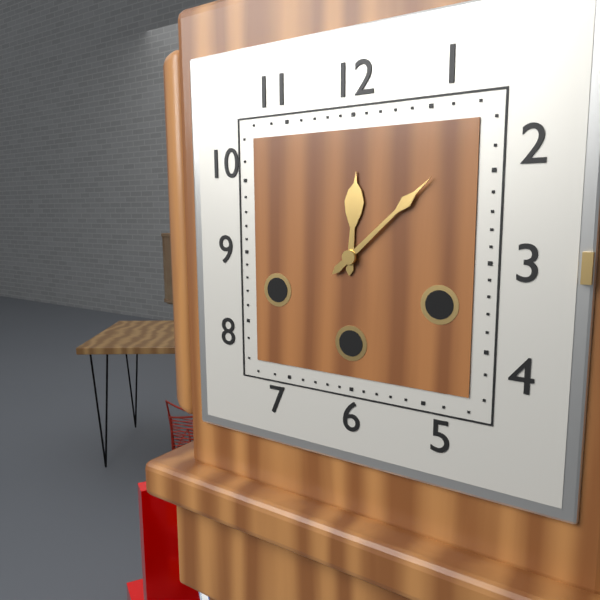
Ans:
12.08
